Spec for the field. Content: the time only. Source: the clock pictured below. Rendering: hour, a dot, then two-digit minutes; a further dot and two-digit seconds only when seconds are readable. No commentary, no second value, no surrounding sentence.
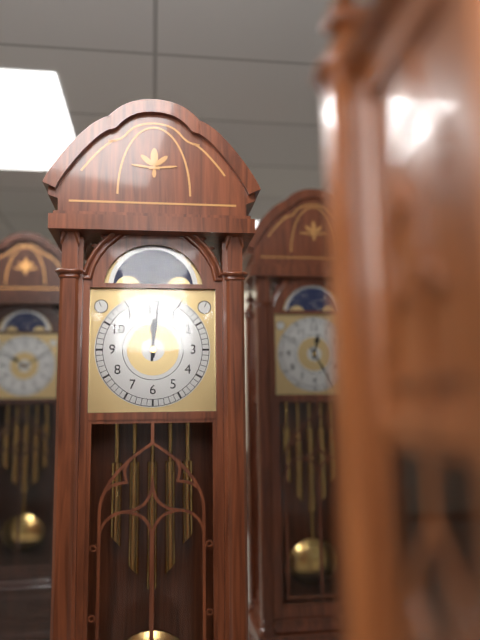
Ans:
12.01
